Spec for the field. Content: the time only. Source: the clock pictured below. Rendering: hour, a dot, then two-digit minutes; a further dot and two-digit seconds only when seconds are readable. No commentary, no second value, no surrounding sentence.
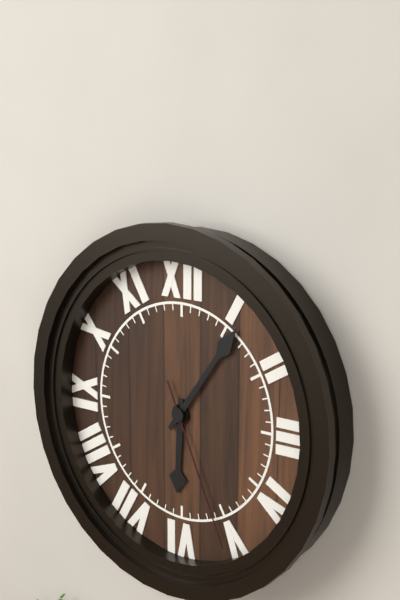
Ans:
6.06.26
